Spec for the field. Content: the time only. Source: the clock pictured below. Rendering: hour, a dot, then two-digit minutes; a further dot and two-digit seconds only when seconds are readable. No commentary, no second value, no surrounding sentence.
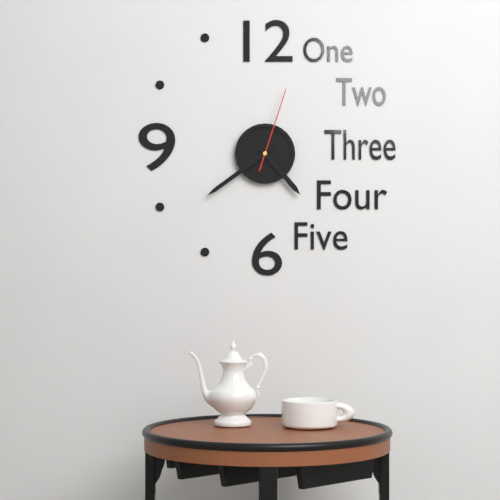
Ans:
4.39.03
